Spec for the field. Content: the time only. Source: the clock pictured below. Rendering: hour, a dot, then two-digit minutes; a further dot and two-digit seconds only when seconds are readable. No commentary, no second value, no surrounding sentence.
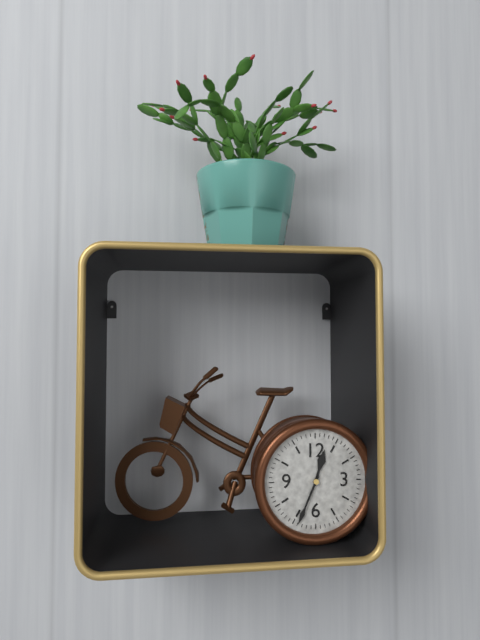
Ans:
12.34
